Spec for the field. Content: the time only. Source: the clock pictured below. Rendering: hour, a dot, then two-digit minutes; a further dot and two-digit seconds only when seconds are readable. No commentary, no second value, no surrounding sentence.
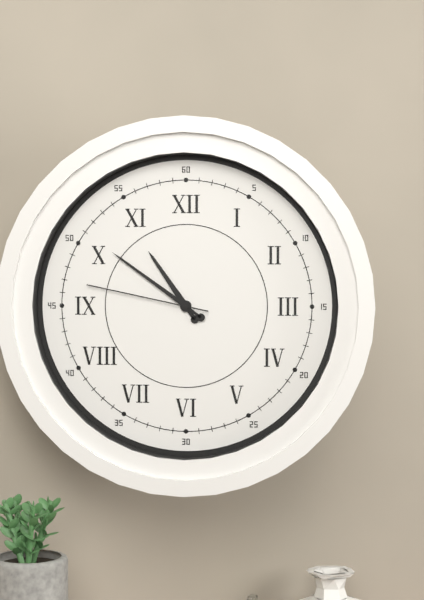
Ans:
10.51.47
